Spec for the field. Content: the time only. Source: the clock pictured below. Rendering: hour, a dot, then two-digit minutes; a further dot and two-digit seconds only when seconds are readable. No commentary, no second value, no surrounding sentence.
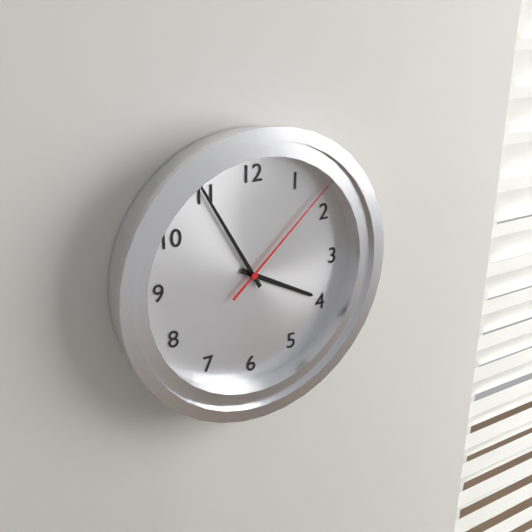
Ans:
3.55.08
